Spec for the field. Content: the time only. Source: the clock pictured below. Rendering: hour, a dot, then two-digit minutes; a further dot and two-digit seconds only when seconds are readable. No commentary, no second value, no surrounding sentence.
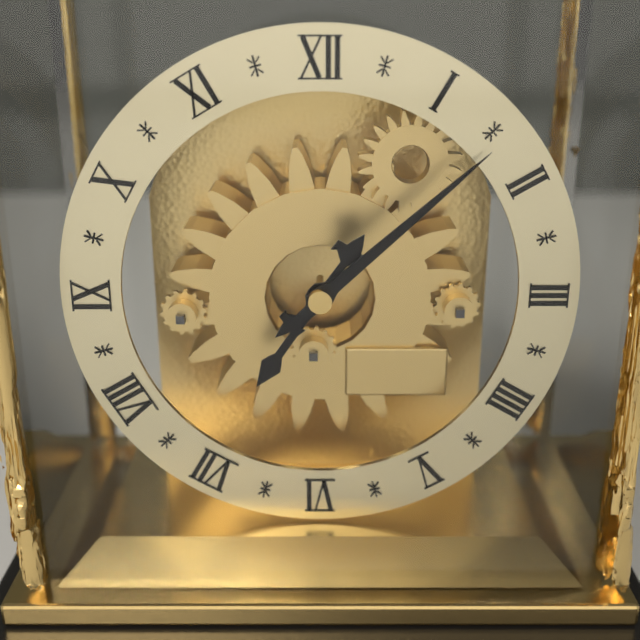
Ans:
7.08
